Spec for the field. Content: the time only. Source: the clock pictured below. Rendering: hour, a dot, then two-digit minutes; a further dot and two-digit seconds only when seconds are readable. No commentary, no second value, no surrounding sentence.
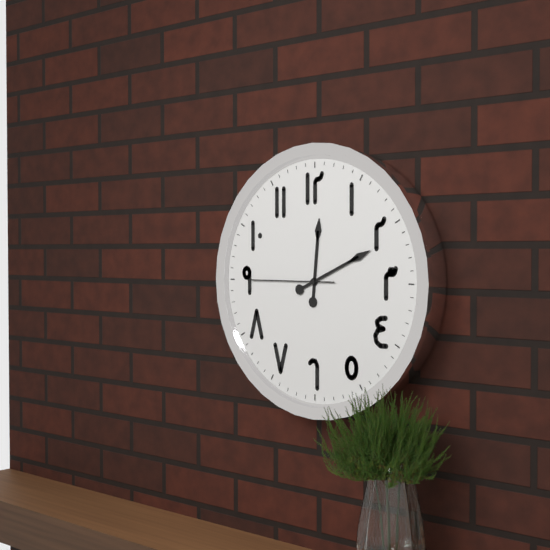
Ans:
12.11.45
